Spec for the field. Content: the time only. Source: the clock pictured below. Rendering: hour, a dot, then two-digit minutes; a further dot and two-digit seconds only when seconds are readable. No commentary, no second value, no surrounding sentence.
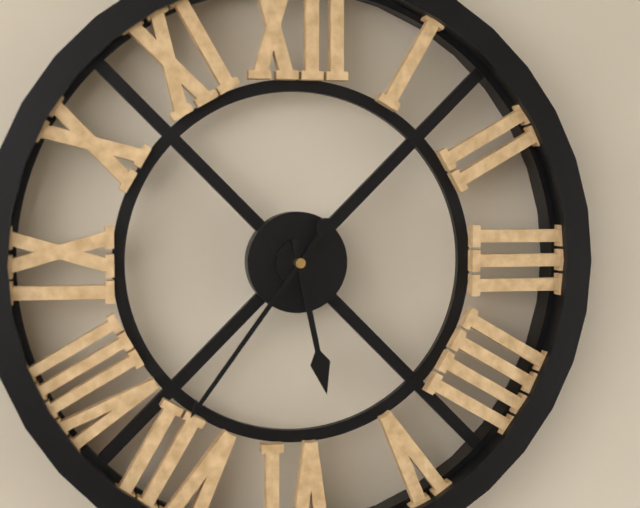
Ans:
5.36
